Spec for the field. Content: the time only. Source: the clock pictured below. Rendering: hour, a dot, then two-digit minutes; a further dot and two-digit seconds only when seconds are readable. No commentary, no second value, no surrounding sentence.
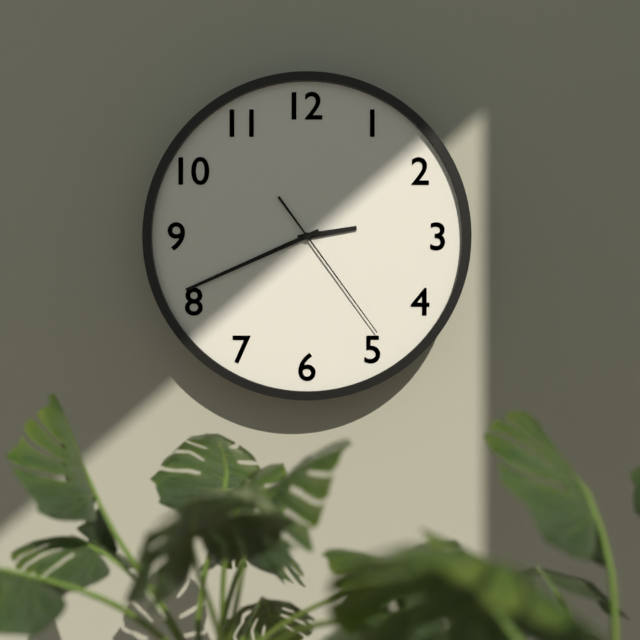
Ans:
2.41.24
